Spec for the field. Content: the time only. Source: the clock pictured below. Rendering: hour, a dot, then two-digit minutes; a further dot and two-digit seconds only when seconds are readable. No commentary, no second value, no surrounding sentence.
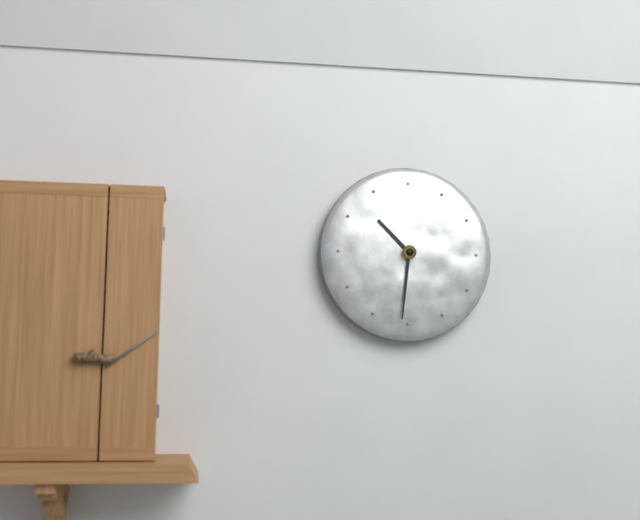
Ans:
10.31
